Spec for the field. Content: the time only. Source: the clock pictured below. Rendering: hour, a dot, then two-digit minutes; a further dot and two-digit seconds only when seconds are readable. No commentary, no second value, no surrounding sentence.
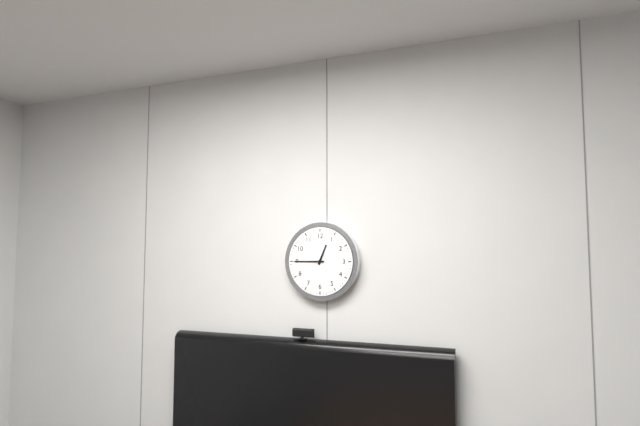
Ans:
12.45
